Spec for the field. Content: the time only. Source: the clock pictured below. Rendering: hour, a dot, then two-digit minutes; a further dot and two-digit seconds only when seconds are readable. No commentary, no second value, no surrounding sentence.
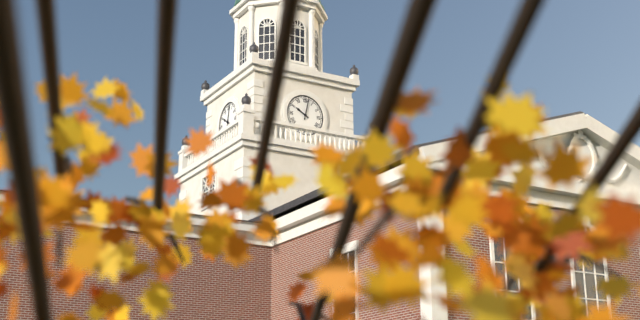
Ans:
10.02
